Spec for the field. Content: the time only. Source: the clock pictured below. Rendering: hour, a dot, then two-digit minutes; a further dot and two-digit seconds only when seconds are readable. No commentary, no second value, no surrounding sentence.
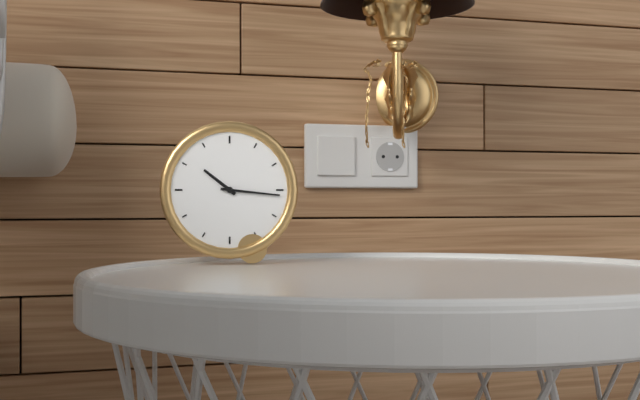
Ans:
10.16
